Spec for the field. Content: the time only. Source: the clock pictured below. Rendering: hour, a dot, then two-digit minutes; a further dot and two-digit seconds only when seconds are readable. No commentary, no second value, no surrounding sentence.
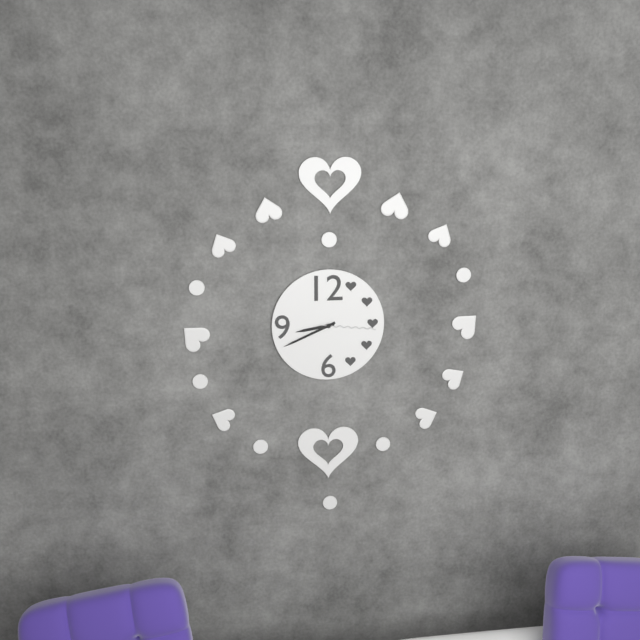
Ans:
8.41.16
